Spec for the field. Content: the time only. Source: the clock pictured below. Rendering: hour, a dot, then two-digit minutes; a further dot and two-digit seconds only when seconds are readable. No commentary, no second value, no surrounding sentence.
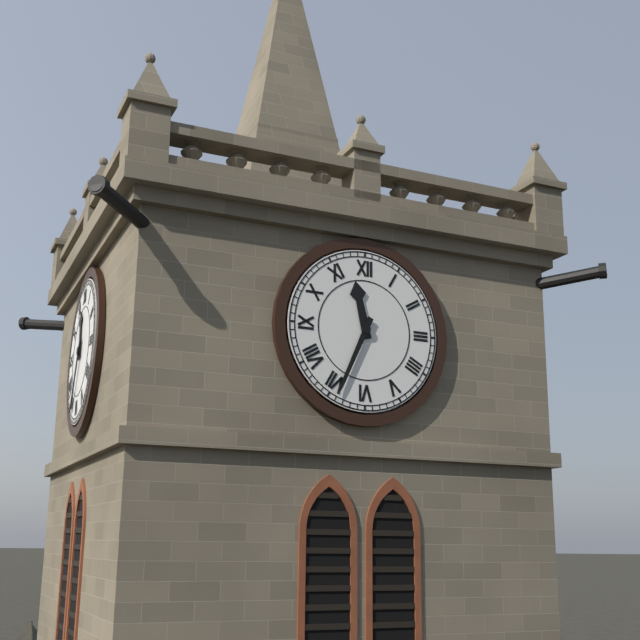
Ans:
11.34
